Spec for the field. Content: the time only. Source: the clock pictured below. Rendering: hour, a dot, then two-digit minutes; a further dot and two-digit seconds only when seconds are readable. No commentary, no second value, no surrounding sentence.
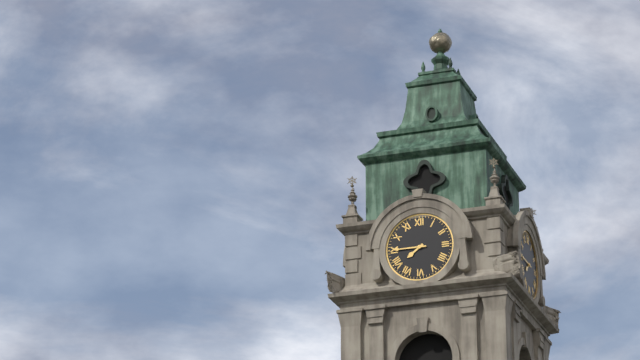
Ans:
7.45
